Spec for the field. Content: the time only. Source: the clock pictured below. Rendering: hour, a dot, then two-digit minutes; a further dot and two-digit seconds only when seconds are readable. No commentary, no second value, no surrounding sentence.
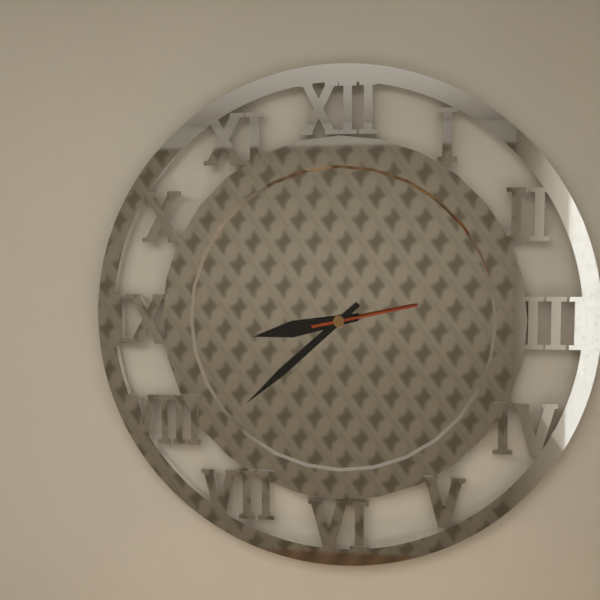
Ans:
8.38.13
